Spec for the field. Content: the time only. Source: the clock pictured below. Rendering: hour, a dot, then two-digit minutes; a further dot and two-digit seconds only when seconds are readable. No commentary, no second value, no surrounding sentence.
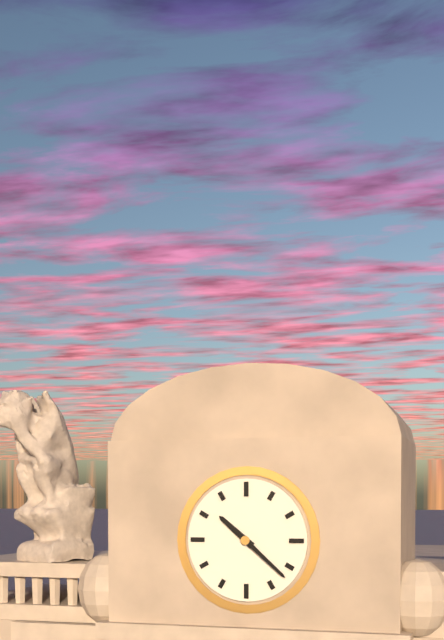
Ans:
10.22
